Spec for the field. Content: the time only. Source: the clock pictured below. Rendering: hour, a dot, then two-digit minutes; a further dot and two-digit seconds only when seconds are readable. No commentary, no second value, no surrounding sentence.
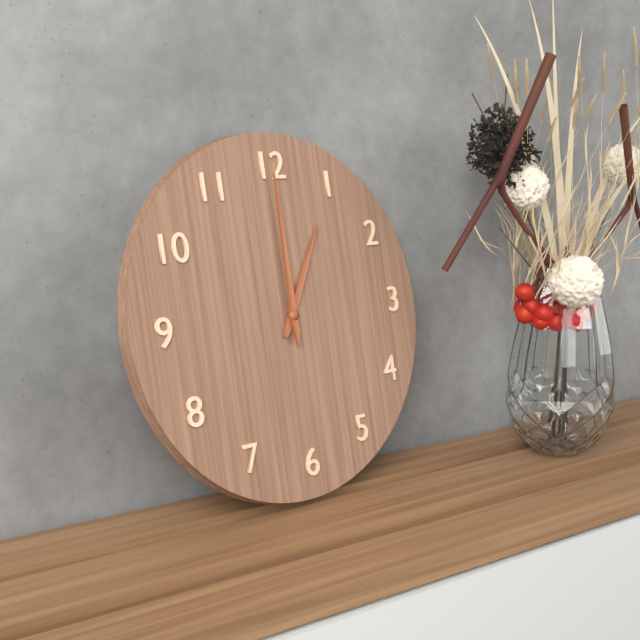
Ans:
1.00
